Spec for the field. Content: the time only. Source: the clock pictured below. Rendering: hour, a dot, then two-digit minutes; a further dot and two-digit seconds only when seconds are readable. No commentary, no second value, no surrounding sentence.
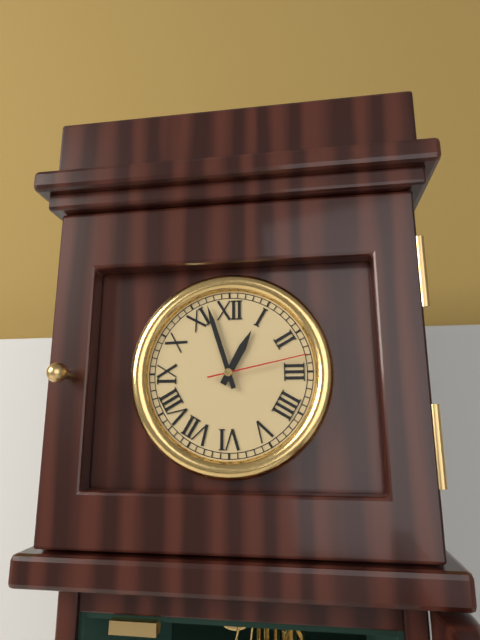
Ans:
12.57.13
